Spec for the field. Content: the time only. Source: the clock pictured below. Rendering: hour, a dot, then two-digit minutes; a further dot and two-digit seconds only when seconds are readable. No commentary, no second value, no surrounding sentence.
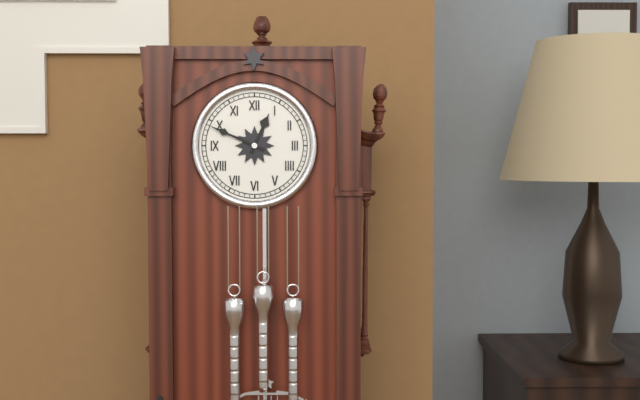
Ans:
12.49
